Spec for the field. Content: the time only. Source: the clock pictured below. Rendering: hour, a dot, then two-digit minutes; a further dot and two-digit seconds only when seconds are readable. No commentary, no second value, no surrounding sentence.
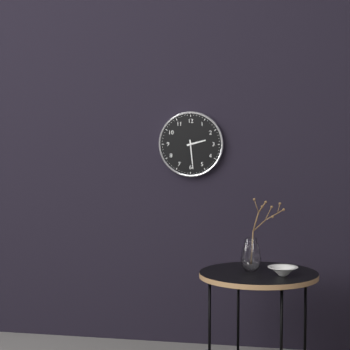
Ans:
2.29
